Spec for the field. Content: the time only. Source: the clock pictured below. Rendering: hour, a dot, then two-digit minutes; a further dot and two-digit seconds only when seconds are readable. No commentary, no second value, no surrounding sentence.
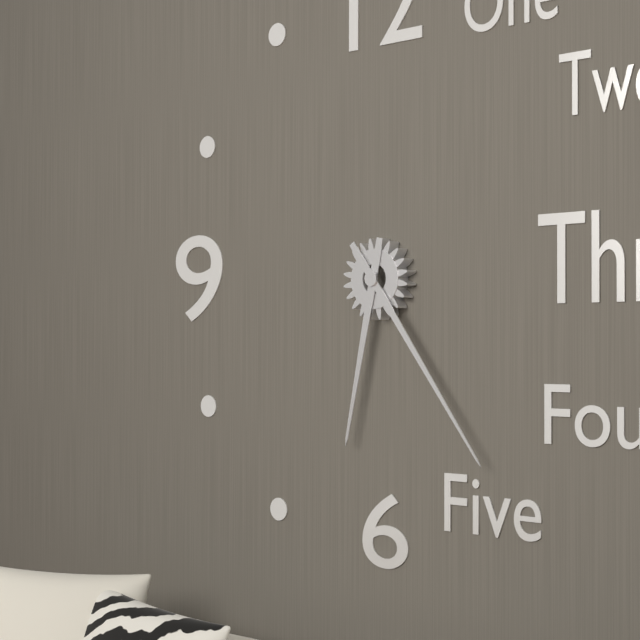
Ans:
6.24
